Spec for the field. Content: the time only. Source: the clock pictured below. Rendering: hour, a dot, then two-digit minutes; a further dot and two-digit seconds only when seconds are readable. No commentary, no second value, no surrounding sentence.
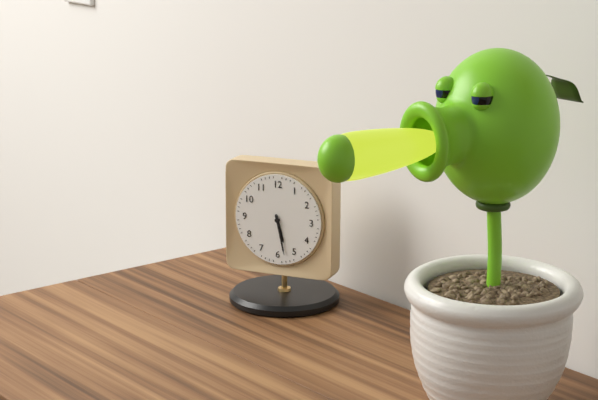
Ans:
5.28
